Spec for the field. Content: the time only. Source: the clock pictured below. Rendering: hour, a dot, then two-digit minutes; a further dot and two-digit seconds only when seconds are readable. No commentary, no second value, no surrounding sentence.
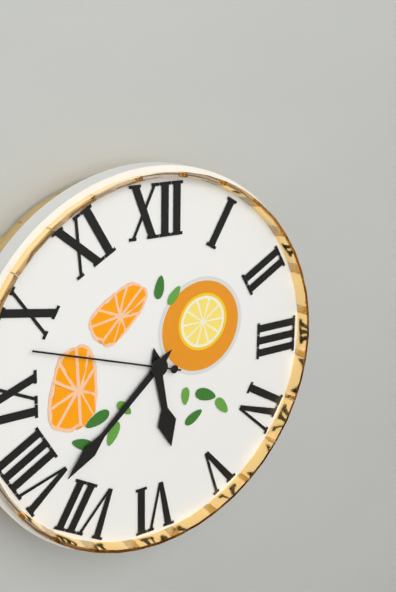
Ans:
5.38.48
